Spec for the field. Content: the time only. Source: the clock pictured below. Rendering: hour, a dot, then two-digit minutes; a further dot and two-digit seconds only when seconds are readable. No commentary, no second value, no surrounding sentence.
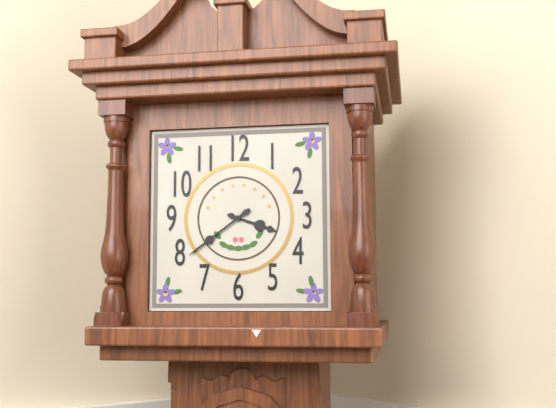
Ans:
3.39
